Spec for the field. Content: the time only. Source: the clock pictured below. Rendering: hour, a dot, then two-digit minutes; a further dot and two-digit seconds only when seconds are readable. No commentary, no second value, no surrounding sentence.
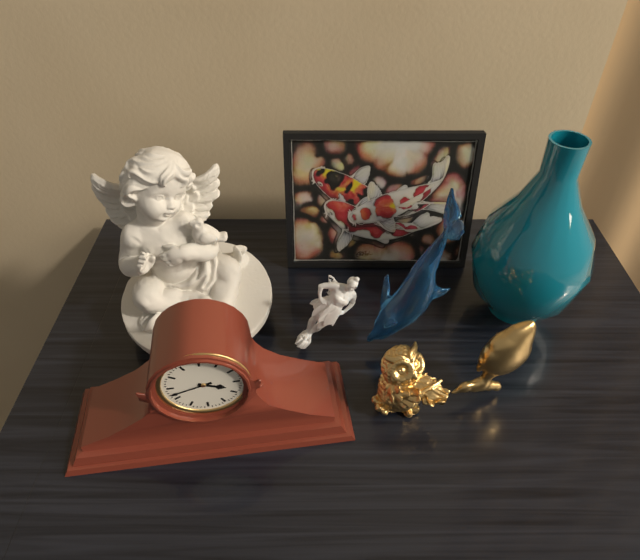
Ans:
3.42
